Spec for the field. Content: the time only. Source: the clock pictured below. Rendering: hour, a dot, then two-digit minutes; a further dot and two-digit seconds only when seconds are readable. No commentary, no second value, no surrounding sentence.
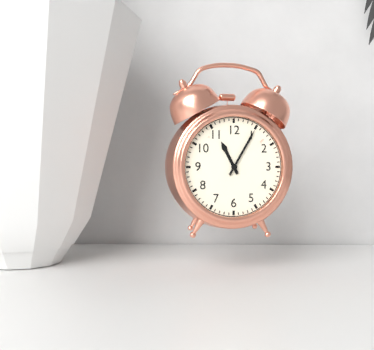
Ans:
11.05
